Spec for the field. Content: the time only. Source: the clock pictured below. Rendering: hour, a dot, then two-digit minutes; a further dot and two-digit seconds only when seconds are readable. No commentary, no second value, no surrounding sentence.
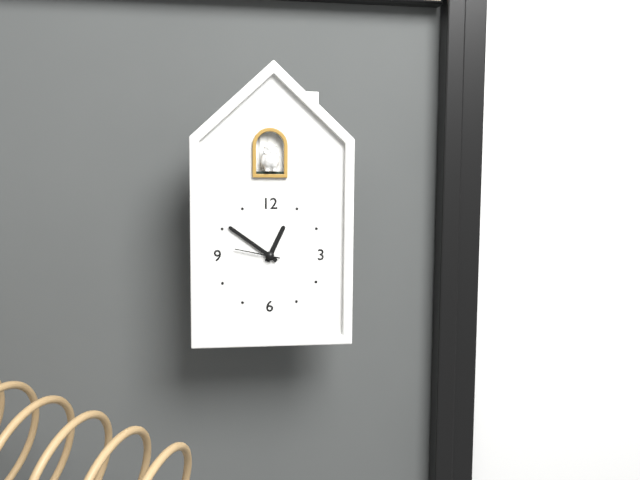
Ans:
12.51
